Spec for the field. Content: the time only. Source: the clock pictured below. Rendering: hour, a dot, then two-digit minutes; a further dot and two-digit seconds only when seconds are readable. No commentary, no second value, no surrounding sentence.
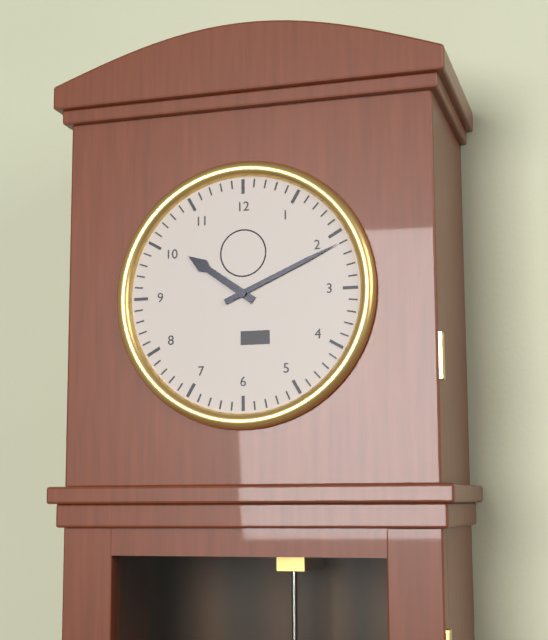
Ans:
10.11
